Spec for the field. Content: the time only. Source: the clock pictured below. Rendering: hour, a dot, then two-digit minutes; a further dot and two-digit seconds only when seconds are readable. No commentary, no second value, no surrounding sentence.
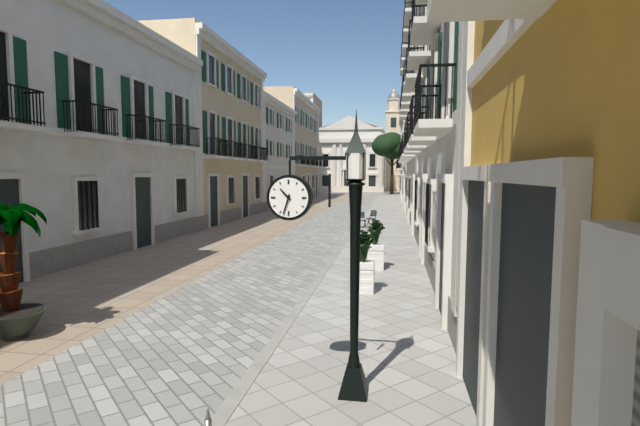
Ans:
10.33
